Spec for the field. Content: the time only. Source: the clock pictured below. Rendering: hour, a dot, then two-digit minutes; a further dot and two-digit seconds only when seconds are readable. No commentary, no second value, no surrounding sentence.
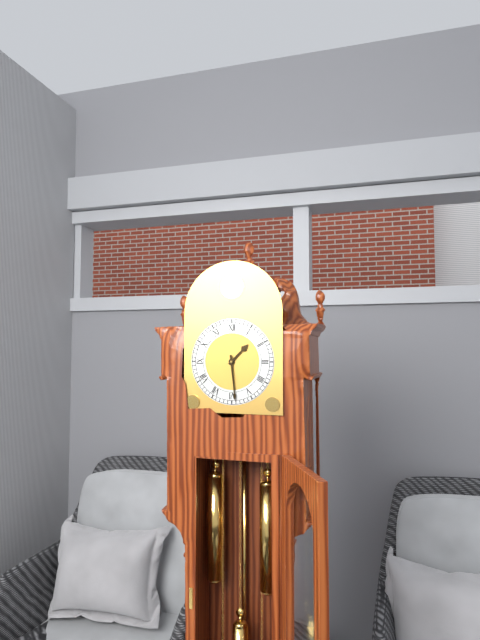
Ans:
1.29
